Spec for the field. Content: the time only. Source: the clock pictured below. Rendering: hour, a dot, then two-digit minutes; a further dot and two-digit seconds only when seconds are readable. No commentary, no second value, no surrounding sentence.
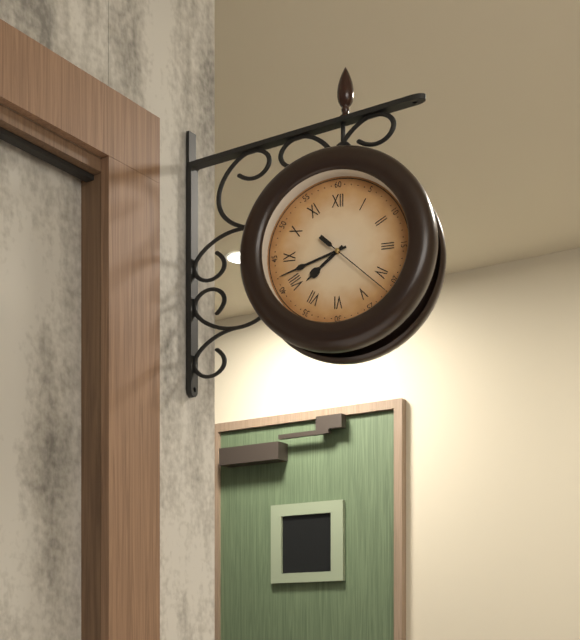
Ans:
7.42.22
